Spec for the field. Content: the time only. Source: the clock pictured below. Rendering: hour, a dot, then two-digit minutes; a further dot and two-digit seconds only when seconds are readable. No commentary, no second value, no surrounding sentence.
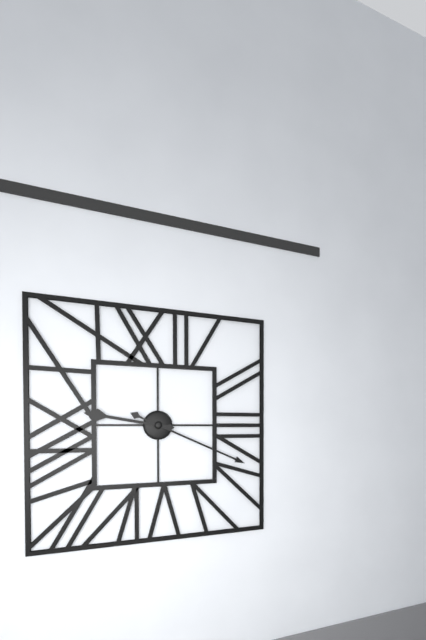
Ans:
9.19
